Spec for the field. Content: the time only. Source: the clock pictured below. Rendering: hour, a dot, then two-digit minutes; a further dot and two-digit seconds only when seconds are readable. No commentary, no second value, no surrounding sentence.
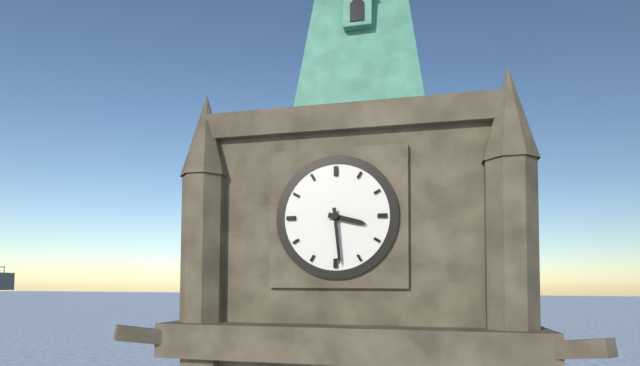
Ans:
3.29
